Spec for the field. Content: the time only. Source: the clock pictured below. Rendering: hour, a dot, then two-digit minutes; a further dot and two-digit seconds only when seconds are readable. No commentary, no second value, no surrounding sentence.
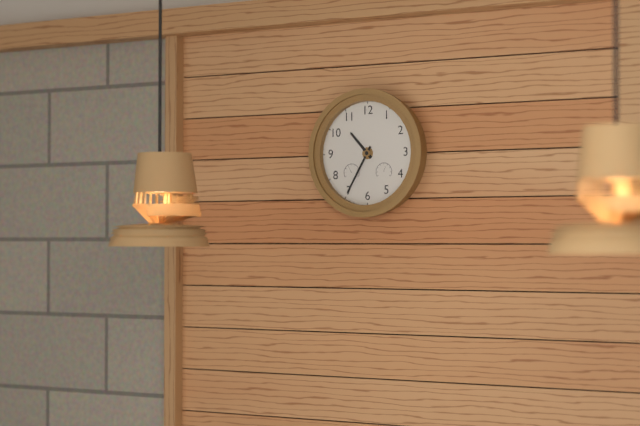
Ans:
10.35
